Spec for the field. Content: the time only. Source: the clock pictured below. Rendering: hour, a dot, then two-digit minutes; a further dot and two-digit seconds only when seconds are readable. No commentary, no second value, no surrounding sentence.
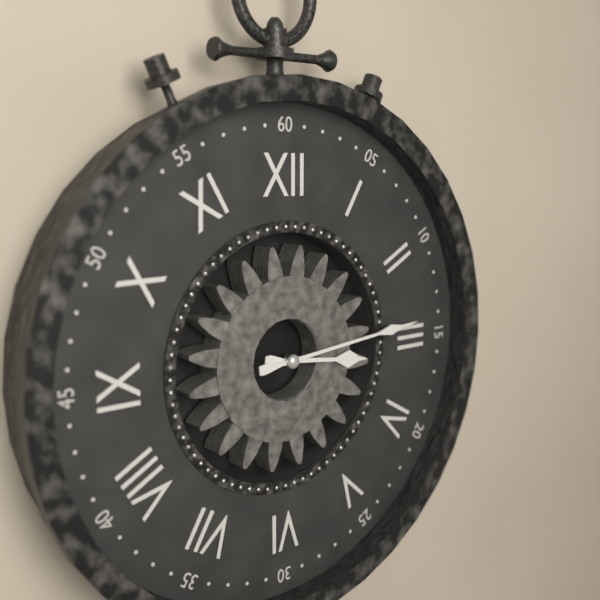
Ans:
3.14
